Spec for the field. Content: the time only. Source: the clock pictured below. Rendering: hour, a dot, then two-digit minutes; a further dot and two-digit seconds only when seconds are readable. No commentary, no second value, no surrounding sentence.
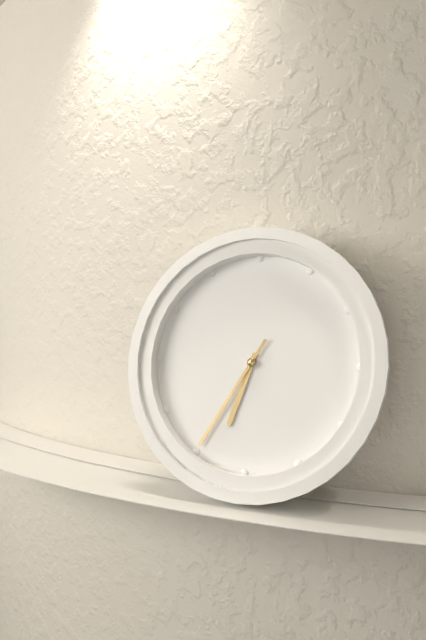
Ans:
6.35
